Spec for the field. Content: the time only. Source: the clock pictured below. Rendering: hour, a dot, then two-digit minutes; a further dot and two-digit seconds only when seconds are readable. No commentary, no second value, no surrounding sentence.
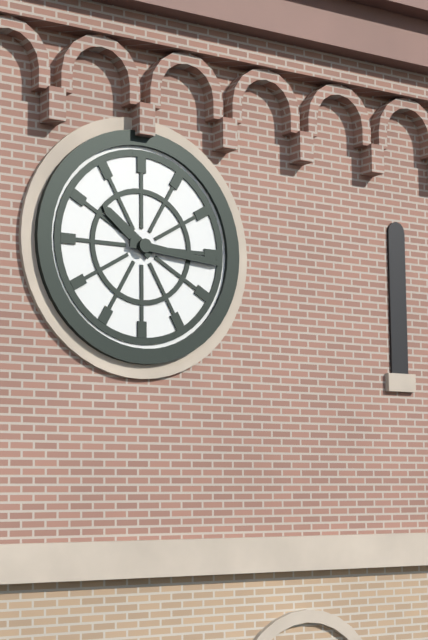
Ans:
10.16
